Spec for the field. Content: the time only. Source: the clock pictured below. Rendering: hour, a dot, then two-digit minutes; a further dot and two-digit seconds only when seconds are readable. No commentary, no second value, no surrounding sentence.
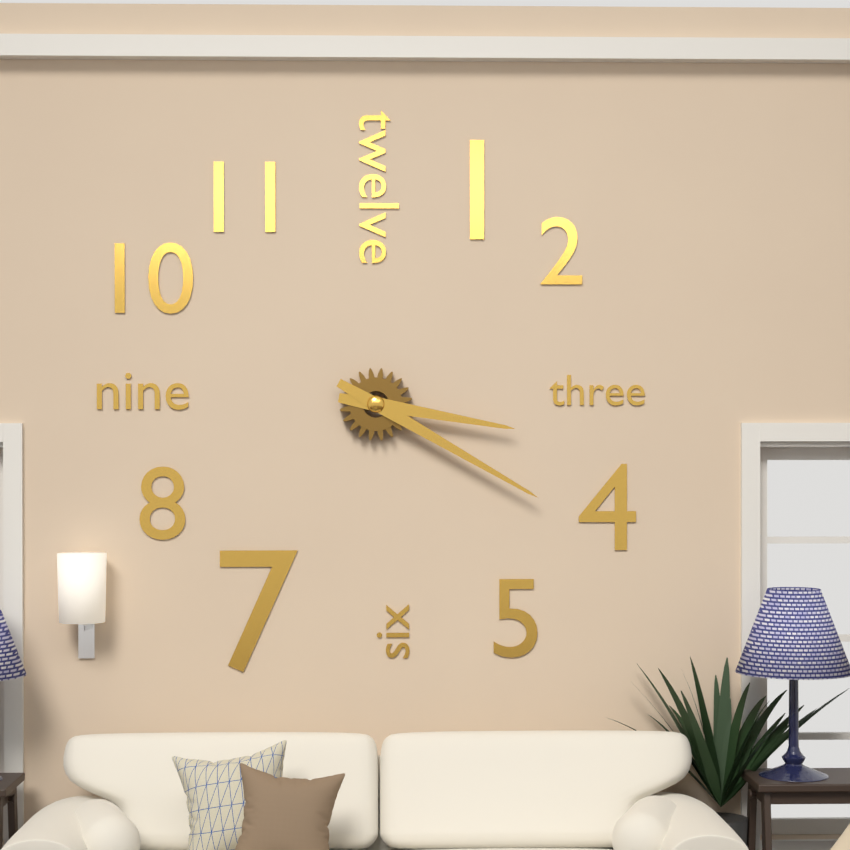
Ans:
3.20
